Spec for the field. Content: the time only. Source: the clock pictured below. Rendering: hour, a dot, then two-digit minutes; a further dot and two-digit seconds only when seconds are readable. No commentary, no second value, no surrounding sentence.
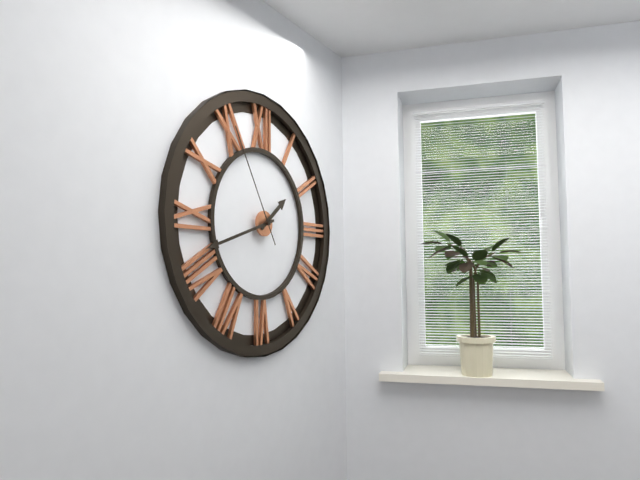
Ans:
1.42.55
